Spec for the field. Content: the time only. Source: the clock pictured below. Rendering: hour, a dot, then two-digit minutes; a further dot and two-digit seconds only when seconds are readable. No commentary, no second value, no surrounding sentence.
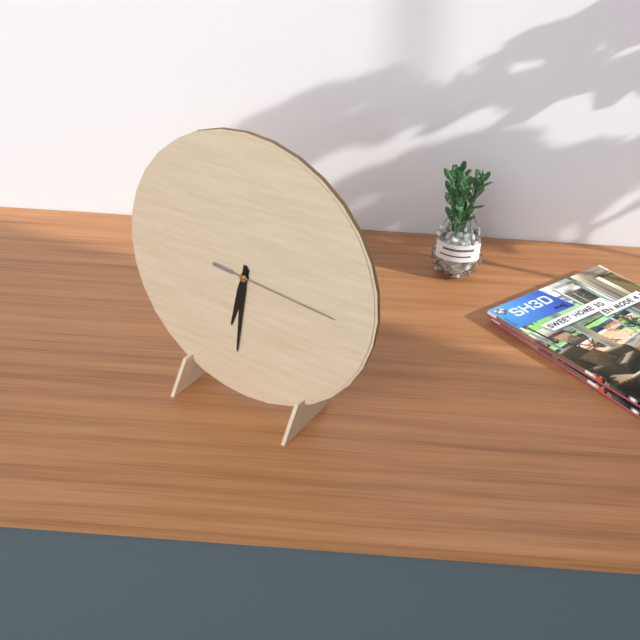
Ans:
6.31.16
